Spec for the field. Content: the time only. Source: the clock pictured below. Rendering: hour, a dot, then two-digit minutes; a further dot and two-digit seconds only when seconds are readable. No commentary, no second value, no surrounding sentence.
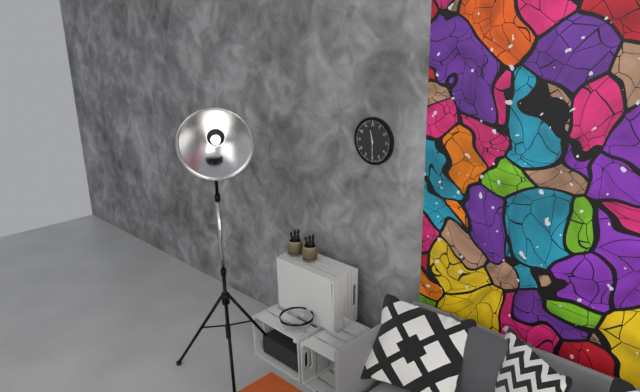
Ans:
11.30
